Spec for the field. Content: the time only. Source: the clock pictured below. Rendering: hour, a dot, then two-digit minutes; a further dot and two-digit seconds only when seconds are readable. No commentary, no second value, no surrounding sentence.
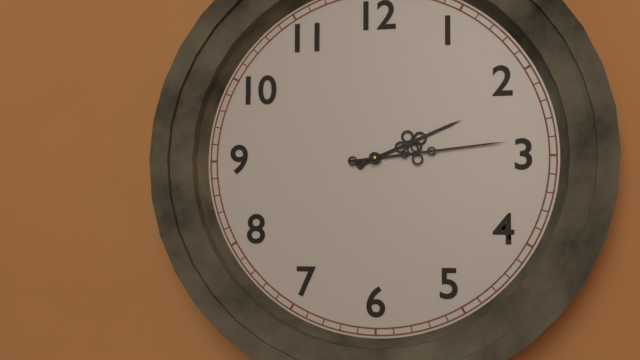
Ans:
2.14
